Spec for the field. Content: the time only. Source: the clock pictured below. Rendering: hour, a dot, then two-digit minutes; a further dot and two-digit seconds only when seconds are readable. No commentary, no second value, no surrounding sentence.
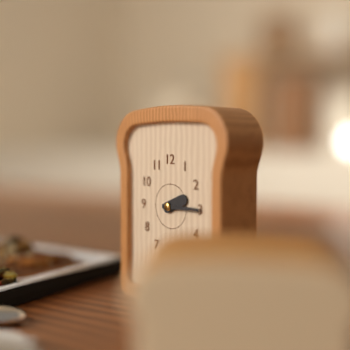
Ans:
2.15
